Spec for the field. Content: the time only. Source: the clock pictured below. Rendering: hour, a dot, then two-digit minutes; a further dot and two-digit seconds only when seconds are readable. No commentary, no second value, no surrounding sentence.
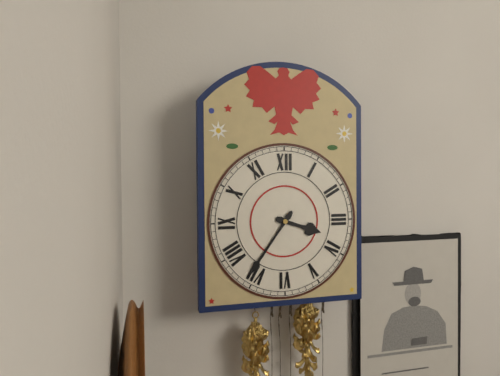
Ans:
3.36
